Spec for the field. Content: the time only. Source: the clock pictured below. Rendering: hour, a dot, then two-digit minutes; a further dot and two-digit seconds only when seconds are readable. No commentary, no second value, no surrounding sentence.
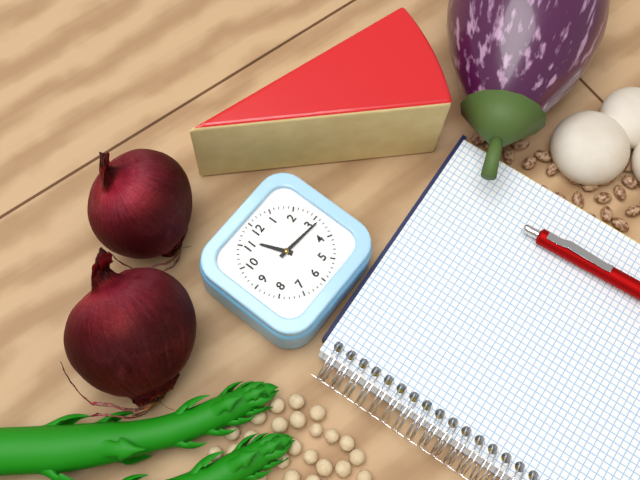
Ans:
11.16
